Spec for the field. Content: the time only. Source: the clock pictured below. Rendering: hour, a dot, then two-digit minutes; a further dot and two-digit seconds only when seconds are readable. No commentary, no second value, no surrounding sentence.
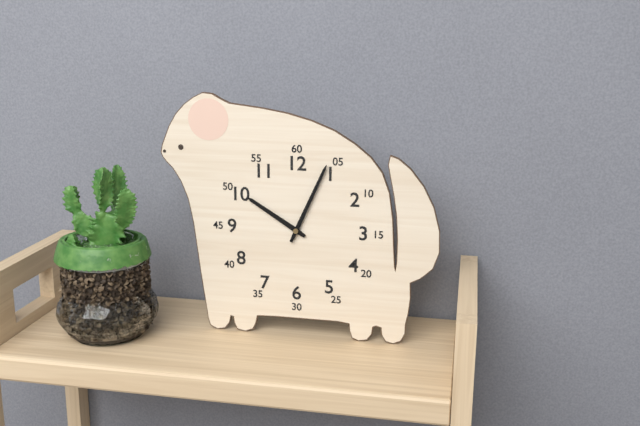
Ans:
10.04
